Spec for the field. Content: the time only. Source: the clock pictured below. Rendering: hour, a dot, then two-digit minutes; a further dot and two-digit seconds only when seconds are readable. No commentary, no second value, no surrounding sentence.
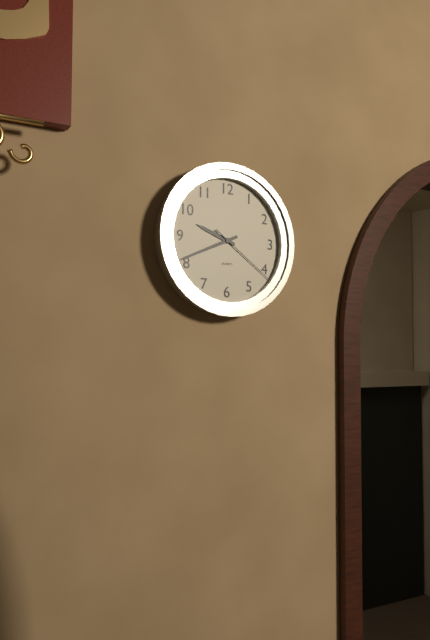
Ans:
9.41.21
